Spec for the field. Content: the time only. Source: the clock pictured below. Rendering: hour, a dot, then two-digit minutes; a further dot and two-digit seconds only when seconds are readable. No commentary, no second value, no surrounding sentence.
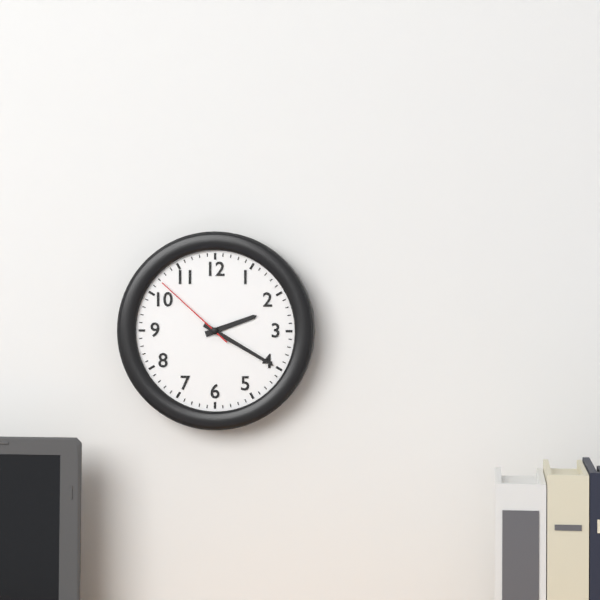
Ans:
2.20.52
